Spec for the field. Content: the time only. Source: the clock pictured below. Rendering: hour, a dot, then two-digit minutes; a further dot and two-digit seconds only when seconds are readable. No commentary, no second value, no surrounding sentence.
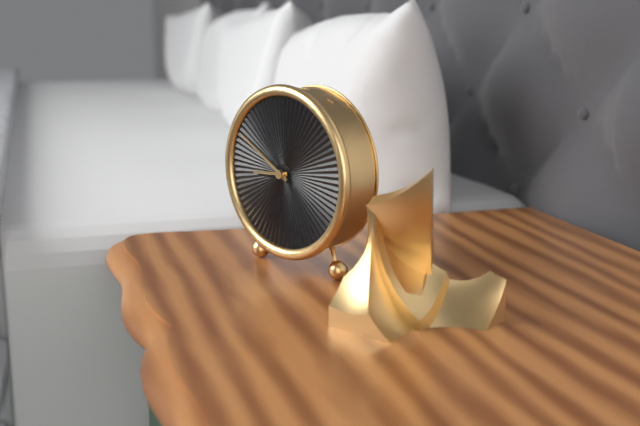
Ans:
8.50
